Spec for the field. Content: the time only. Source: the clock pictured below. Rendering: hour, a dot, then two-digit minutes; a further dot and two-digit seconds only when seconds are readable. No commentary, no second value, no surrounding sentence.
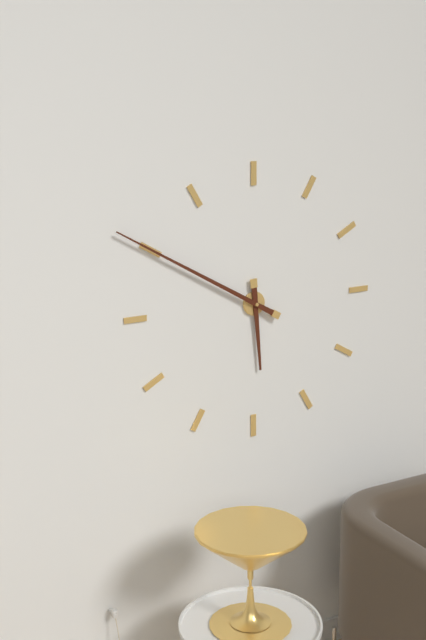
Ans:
5.50
